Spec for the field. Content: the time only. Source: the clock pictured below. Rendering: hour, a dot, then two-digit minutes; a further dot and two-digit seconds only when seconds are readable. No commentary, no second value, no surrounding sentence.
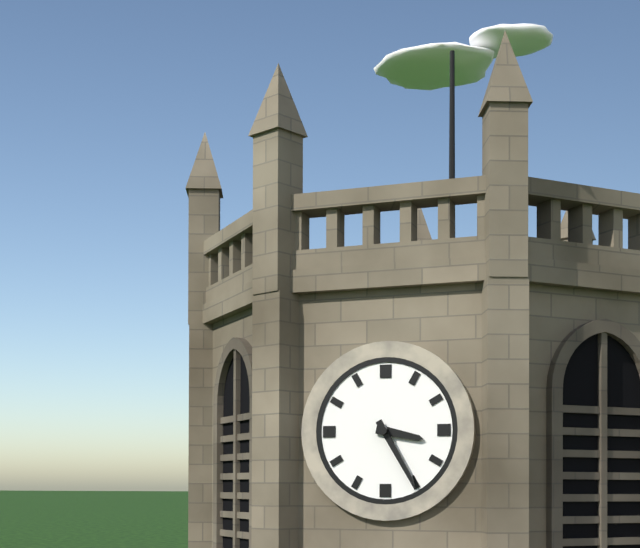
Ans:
3.25
